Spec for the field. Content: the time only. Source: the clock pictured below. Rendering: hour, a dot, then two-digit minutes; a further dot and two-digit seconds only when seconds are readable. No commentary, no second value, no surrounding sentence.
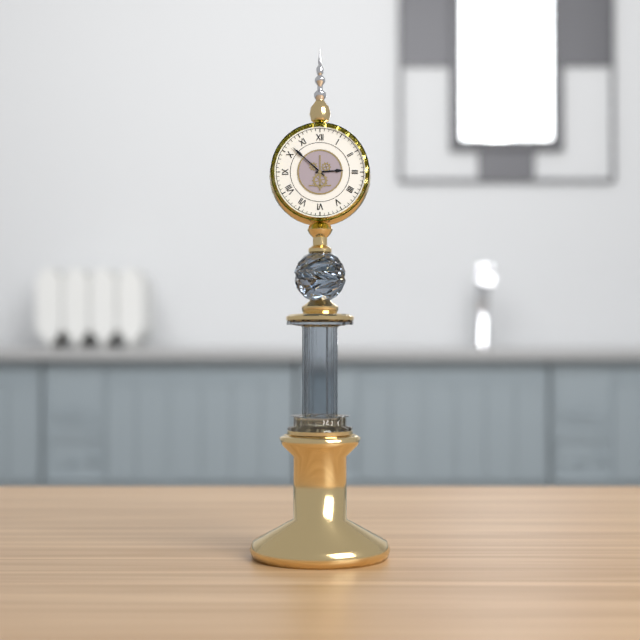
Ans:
2.52
